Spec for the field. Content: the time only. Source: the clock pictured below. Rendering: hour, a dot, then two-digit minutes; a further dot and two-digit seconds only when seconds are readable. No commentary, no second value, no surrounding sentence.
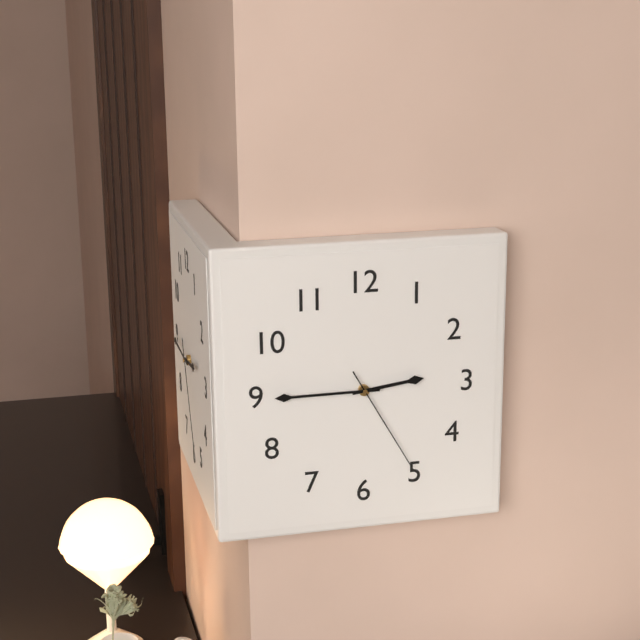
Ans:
2.45.25
